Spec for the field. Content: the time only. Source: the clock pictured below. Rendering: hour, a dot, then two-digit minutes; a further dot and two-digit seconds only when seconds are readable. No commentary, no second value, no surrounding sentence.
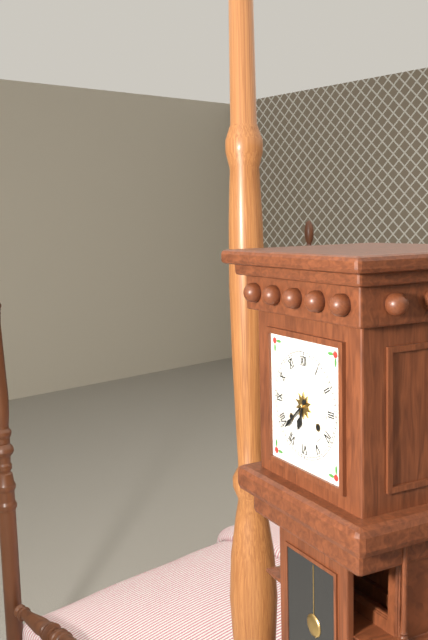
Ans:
6.38
